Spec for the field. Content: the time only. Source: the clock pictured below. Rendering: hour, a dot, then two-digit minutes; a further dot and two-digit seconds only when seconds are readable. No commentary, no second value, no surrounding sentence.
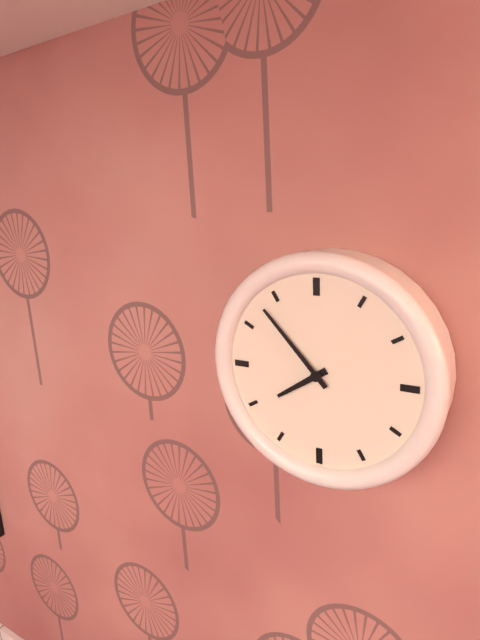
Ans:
7.53
